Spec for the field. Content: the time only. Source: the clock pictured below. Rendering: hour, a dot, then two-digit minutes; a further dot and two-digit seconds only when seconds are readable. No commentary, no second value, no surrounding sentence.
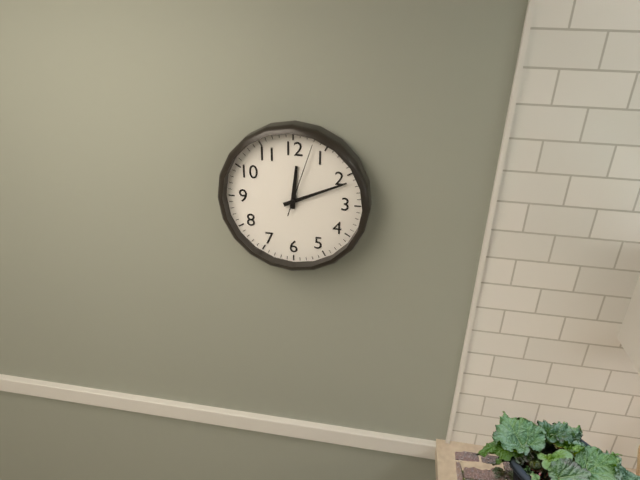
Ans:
12.11.03
